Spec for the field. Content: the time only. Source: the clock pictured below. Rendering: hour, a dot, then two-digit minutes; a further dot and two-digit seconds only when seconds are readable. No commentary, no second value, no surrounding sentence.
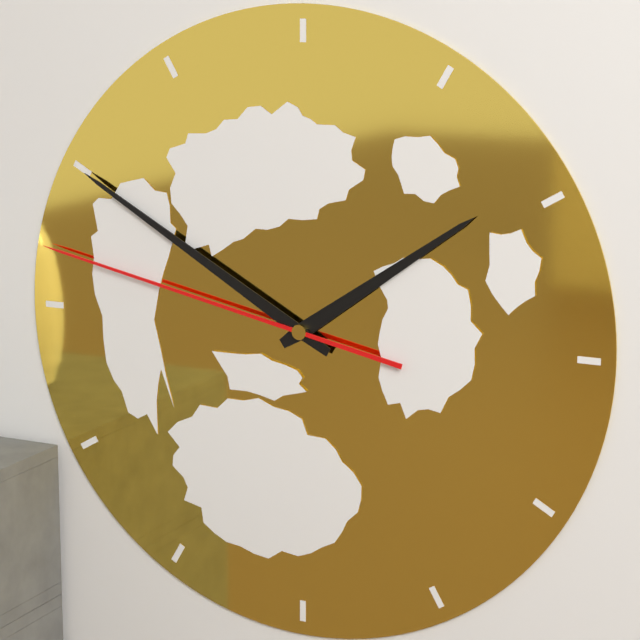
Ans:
1.50.47
